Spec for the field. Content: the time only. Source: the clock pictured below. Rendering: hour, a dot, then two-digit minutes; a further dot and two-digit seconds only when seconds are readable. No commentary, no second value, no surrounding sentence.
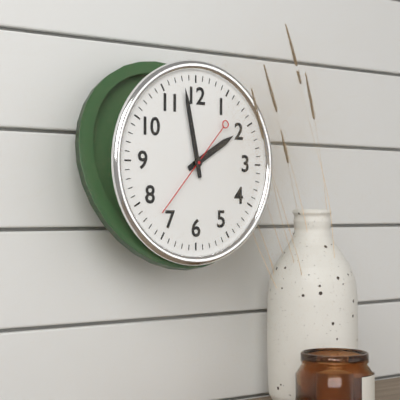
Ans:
1.58.37
